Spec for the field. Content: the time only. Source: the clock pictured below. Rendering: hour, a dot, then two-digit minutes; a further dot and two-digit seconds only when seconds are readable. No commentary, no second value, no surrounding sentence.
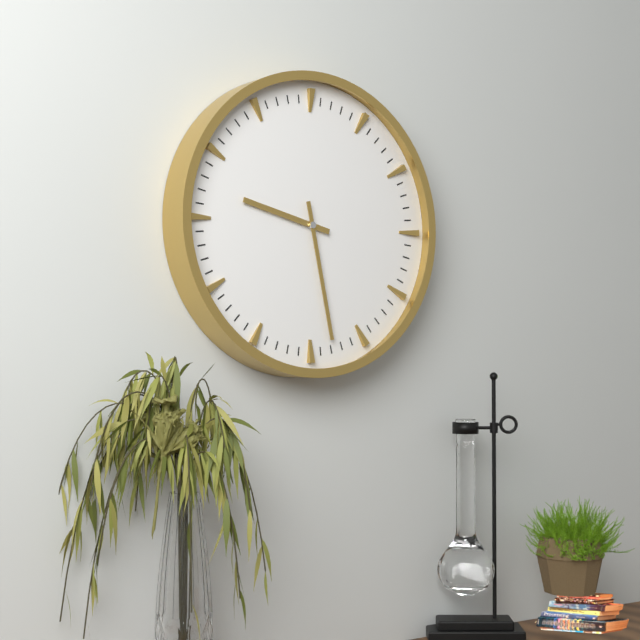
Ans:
9.28
